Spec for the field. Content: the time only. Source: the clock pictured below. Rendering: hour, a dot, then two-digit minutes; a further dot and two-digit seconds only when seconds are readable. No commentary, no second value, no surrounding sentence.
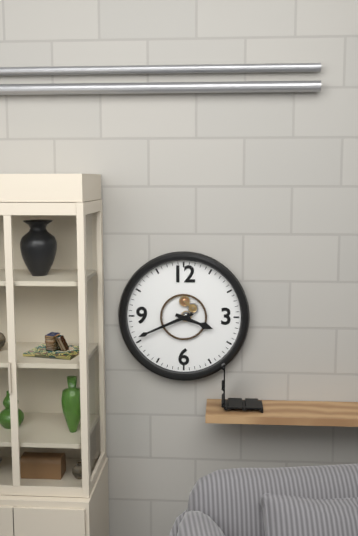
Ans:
3.41
